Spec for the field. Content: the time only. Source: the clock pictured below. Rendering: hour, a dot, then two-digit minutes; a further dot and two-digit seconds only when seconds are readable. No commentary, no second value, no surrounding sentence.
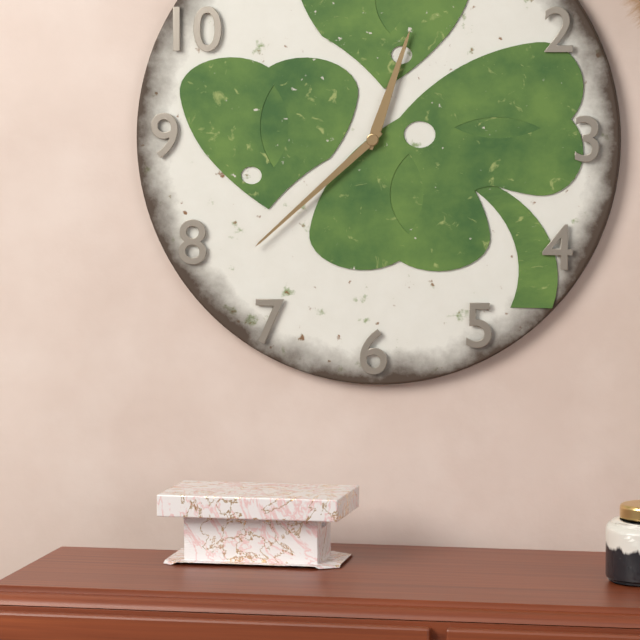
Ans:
12.38
